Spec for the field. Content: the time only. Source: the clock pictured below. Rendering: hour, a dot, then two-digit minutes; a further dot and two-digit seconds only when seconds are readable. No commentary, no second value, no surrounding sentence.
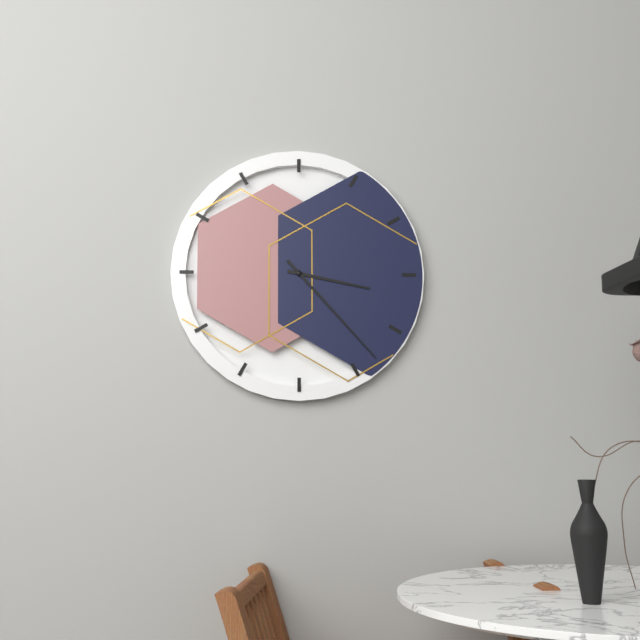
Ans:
3.23
